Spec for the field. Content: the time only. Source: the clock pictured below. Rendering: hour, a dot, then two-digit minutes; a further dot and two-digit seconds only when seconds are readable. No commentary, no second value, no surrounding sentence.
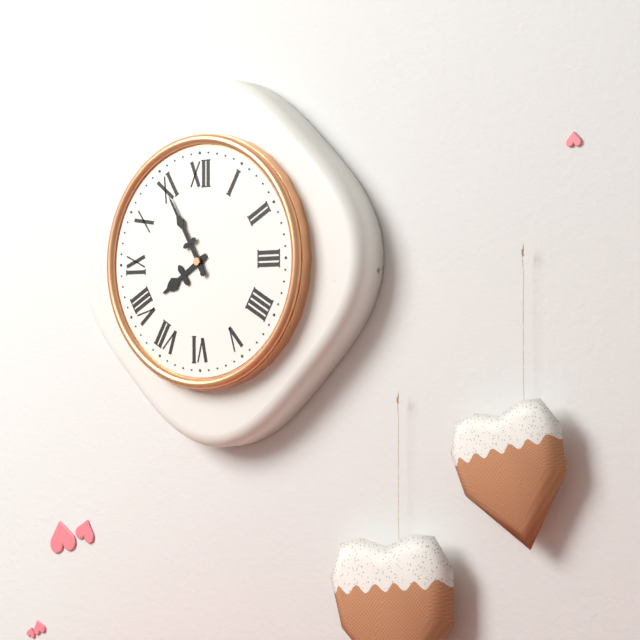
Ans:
7.55
